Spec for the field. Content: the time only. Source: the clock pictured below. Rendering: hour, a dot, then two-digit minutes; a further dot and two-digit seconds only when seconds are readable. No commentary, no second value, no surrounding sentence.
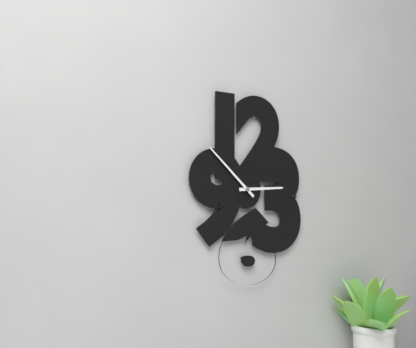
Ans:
2.52
